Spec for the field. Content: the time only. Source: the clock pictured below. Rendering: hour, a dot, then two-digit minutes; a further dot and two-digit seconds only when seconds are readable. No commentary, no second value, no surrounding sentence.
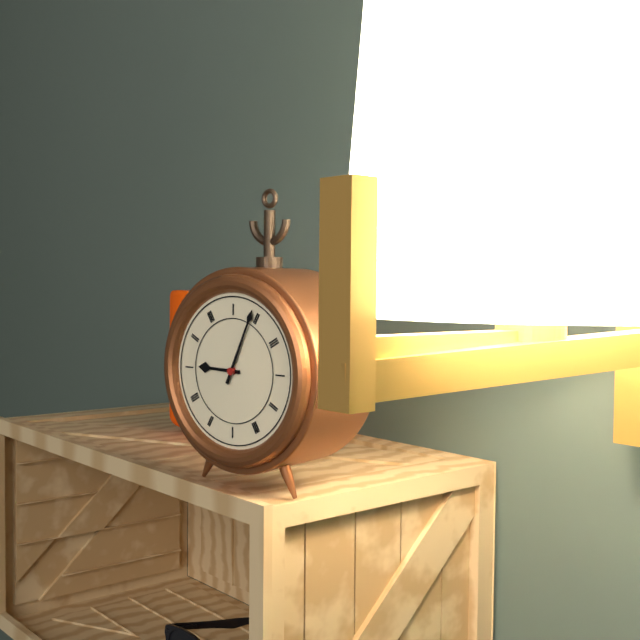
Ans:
9.04
